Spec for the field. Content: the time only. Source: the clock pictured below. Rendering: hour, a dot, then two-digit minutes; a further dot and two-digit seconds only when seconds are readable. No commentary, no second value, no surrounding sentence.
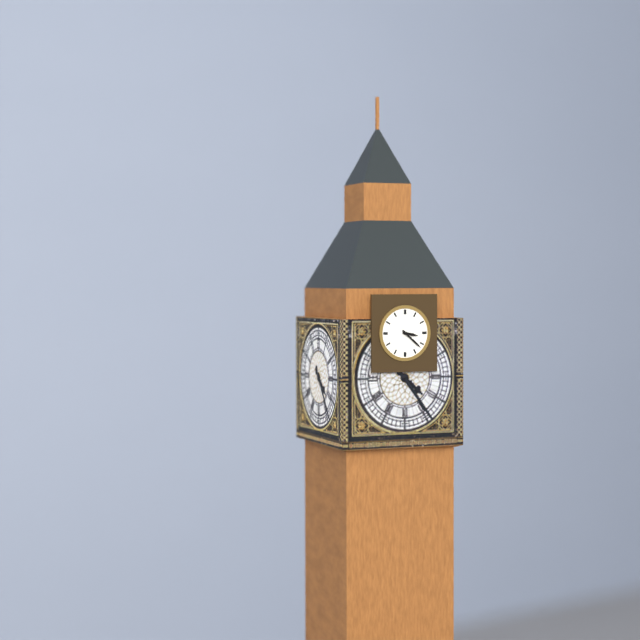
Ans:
3.22
